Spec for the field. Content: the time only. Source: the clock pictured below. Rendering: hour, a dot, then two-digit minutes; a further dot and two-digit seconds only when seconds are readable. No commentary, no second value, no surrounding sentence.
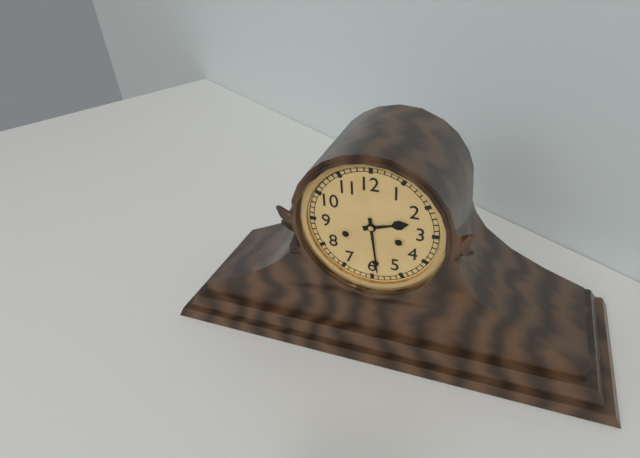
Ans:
2.29
